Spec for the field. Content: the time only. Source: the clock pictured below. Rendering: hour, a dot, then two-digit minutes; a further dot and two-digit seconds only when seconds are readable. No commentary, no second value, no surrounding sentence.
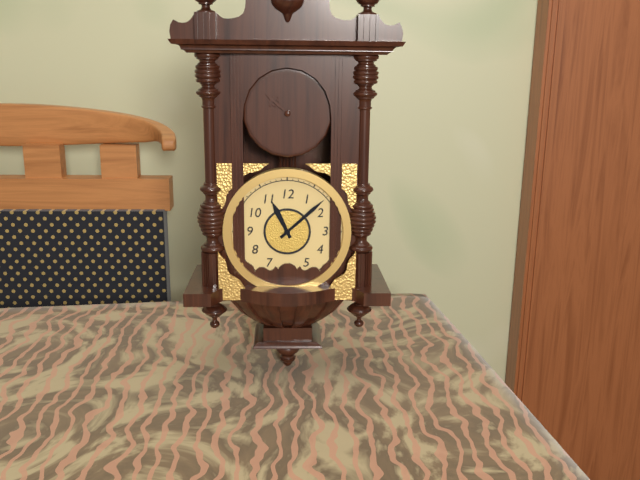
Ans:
11.08
